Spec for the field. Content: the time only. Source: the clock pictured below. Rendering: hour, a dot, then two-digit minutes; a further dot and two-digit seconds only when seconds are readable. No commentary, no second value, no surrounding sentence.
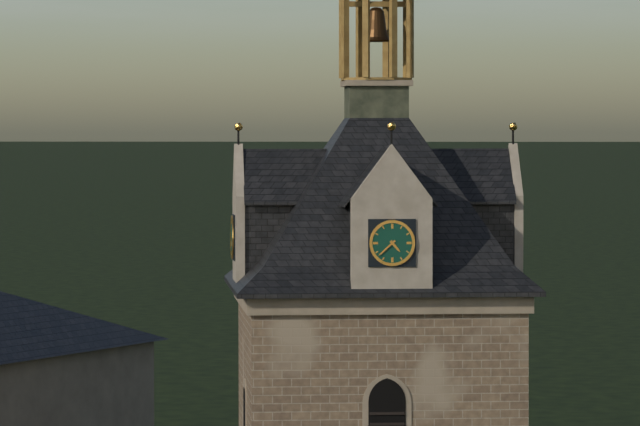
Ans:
4.38
